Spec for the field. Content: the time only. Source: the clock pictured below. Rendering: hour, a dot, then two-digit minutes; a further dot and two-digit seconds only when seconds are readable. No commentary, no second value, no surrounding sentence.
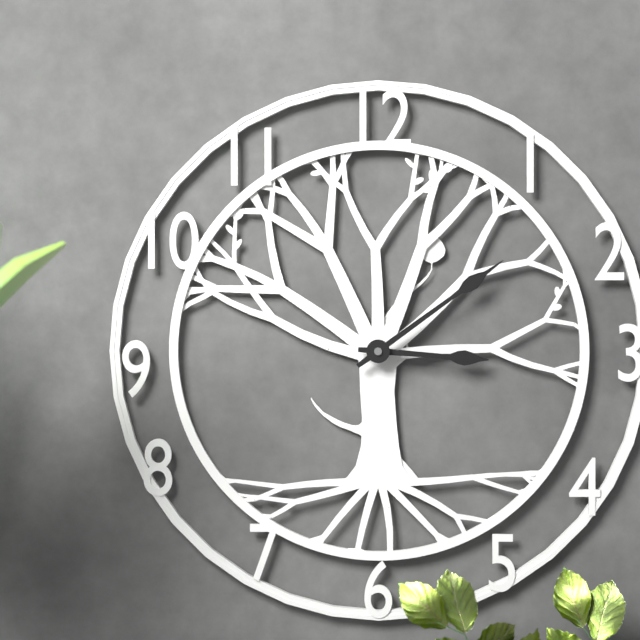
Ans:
3.09
